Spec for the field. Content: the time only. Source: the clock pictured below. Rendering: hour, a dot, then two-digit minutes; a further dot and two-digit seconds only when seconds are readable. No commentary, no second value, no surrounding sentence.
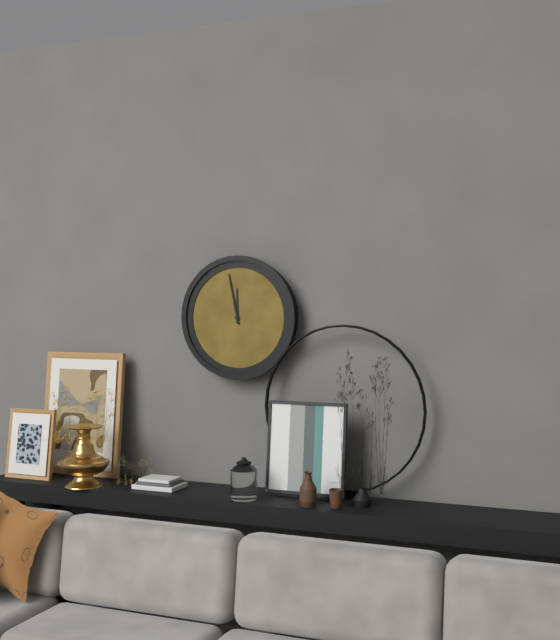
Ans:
11.58
